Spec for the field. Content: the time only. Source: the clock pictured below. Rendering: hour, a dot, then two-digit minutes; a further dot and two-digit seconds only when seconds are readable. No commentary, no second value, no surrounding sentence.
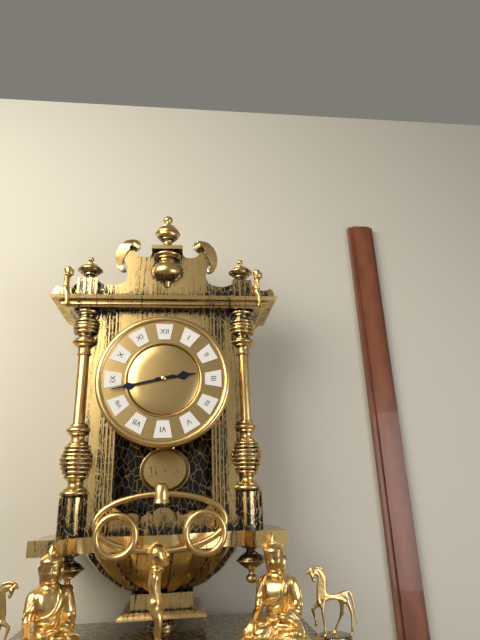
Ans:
2.43
